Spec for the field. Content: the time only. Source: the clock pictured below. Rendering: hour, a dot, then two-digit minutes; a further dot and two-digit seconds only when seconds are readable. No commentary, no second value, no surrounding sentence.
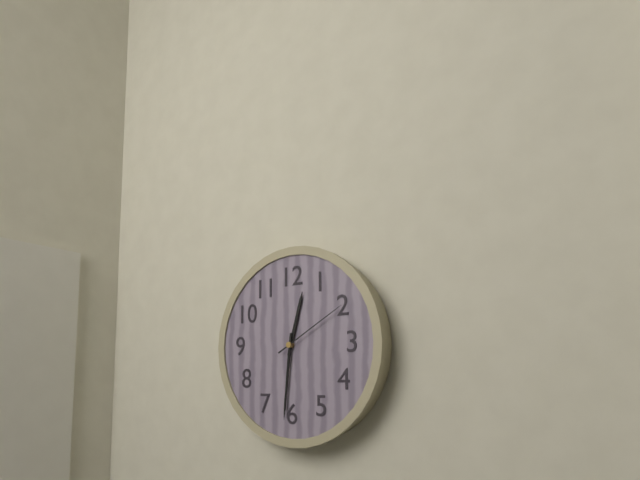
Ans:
12.31.10
